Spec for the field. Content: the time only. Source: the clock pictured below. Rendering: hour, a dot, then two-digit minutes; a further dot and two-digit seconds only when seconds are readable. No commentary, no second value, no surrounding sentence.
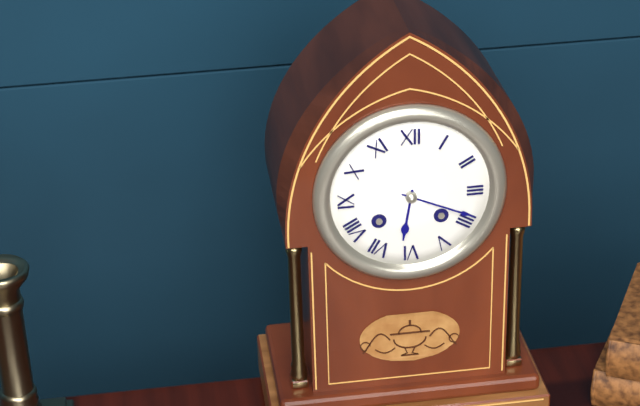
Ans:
6.19
